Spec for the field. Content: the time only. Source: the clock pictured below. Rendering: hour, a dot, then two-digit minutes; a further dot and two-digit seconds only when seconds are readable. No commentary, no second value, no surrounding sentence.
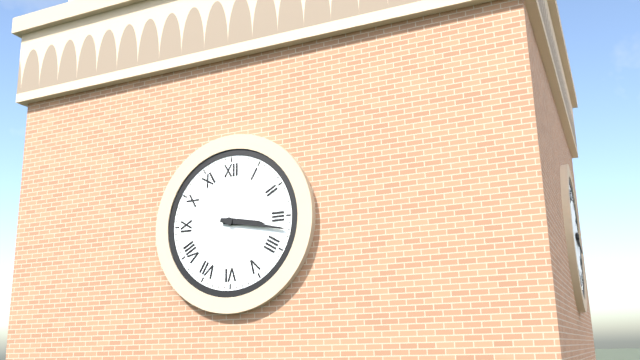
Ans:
3.17
